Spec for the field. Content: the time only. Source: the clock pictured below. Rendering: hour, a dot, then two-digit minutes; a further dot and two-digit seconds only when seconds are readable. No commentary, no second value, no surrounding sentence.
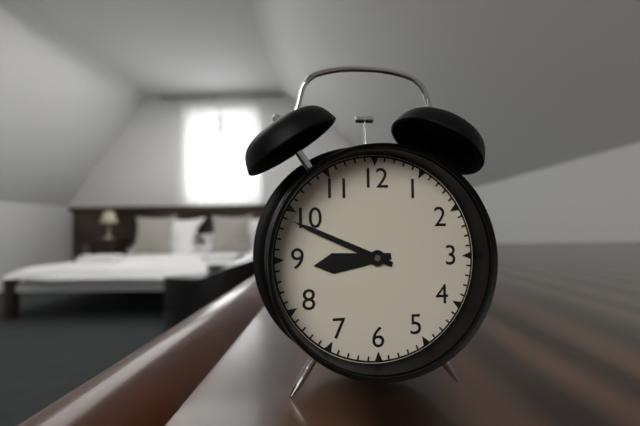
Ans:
8.49
